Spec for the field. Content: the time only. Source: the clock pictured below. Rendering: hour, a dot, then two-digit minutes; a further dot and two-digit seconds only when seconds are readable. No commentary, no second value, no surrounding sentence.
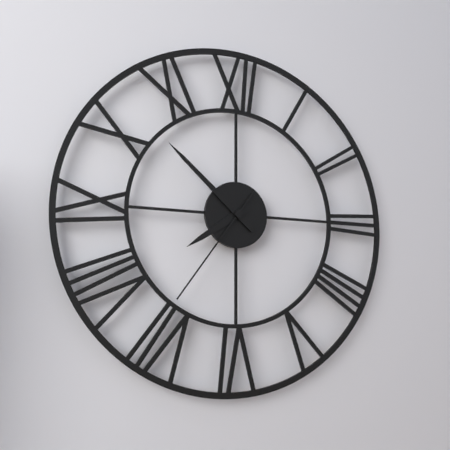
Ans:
7.52.36
